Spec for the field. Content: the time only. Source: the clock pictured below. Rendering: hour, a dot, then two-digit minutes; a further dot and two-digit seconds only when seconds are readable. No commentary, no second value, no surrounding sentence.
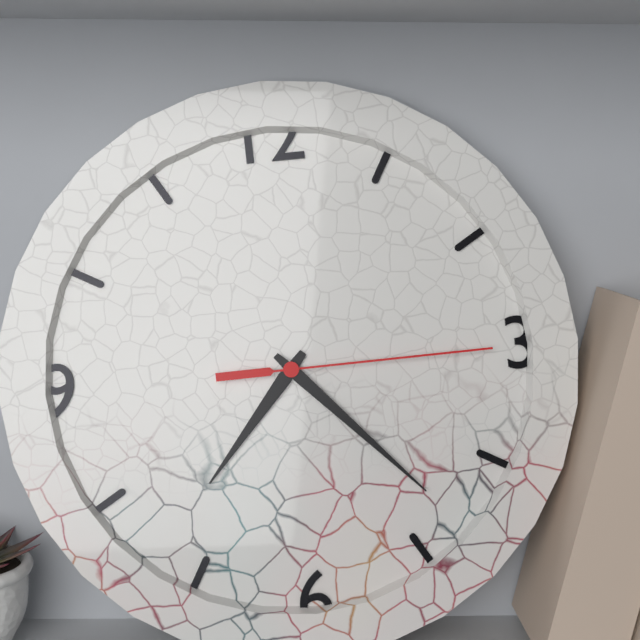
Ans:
7.23.15
